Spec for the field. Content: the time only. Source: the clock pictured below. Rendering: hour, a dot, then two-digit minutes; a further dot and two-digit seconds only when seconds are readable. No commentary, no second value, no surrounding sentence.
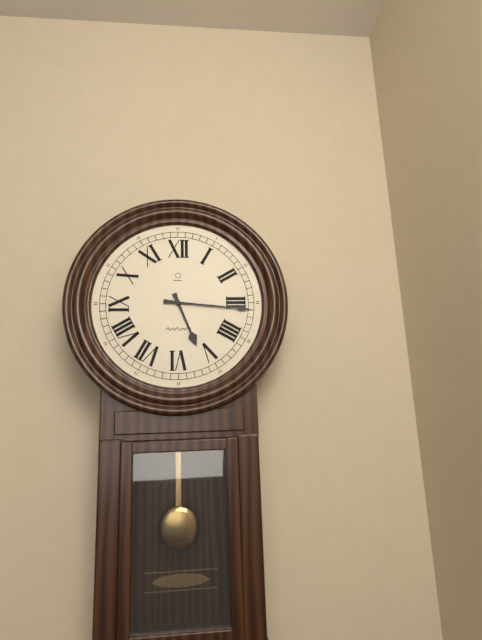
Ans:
5.16
